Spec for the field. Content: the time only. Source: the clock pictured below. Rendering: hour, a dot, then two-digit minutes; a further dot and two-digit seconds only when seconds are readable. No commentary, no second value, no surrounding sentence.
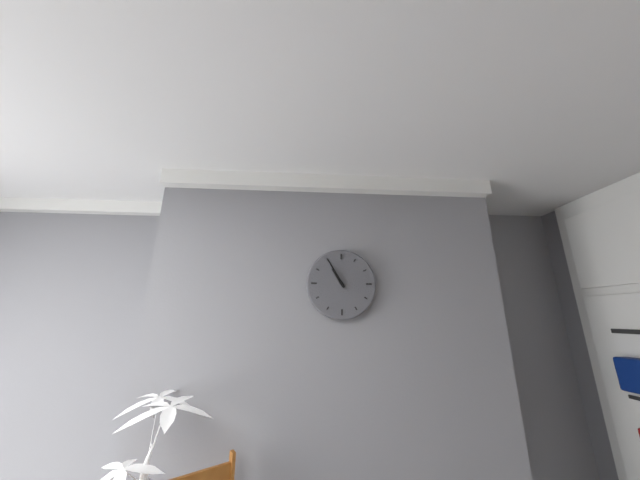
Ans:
10.55
